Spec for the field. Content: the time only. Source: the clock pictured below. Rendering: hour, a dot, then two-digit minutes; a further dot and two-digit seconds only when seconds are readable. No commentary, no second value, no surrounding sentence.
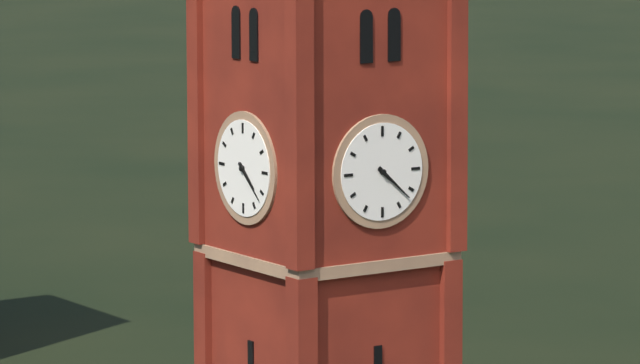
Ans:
4.22
